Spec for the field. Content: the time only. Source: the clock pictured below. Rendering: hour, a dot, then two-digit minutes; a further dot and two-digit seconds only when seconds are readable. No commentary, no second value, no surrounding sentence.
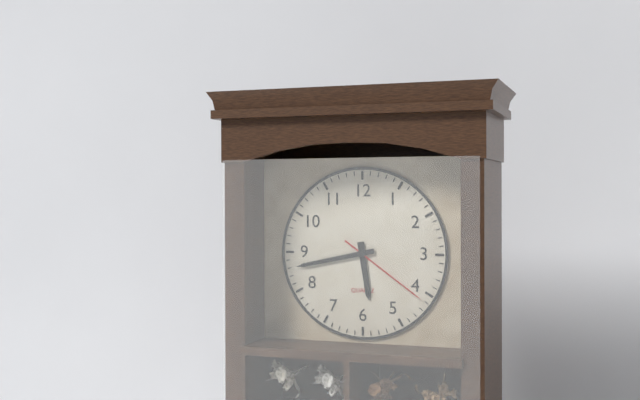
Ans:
5.43.21
